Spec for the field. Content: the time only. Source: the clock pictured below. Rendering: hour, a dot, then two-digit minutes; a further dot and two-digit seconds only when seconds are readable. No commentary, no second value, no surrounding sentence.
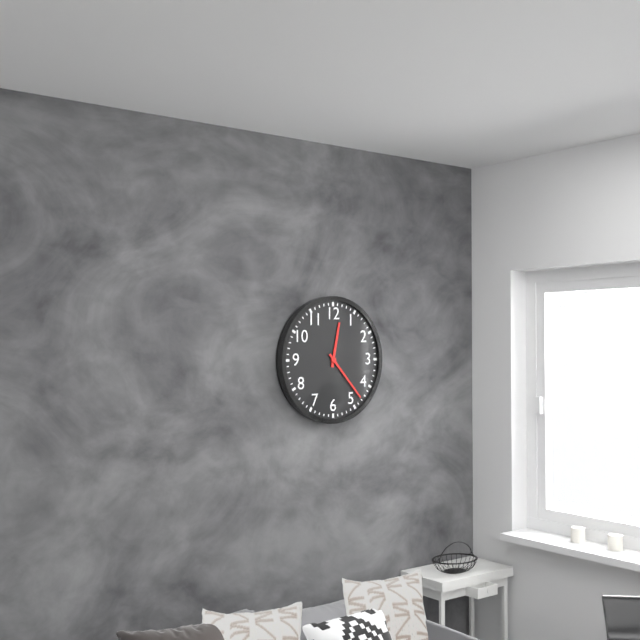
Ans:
12.23
